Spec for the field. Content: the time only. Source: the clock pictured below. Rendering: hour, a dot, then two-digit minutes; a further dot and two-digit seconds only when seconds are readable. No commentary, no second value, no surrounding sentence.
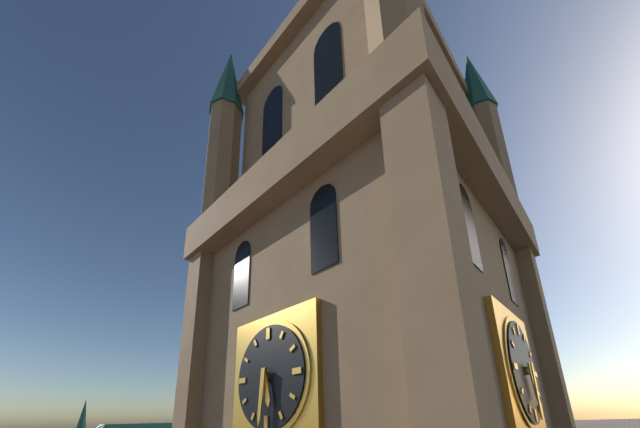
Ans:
5.31
